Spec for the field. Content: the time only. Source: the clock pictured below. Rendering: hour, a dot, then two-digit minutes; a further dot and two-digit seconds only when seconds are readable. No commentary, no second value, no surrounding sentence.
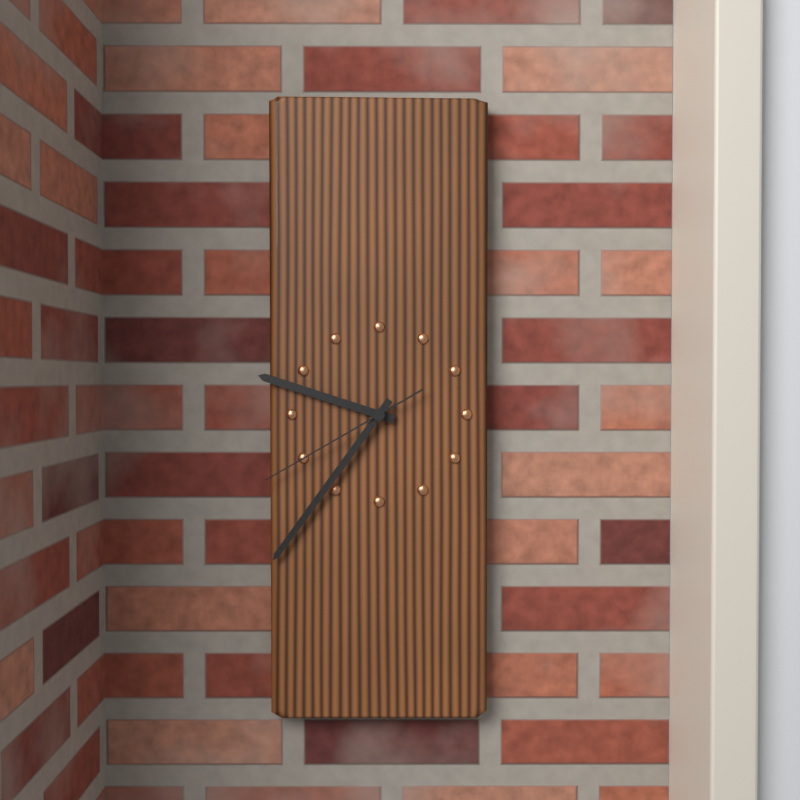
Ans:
9.36.40
